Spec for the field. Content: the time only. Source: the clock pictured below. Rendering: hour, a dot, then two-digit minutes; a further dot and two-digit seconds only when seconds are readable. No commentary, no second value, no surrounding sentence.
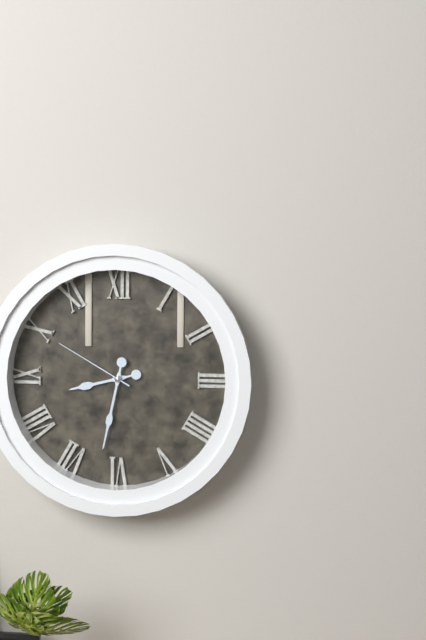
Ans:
8.32.50
